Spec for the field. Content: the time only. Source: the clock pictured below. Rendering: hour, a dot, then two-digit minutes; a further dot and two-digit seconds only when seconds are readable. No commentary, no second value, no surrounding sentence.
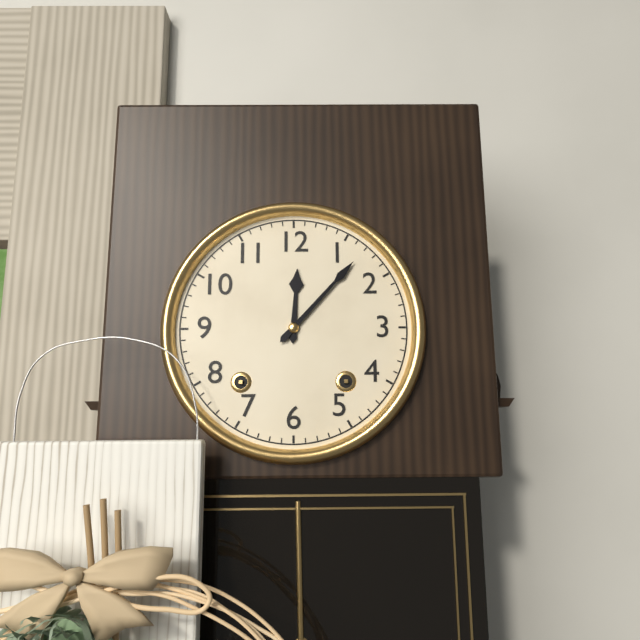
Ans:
12.07
